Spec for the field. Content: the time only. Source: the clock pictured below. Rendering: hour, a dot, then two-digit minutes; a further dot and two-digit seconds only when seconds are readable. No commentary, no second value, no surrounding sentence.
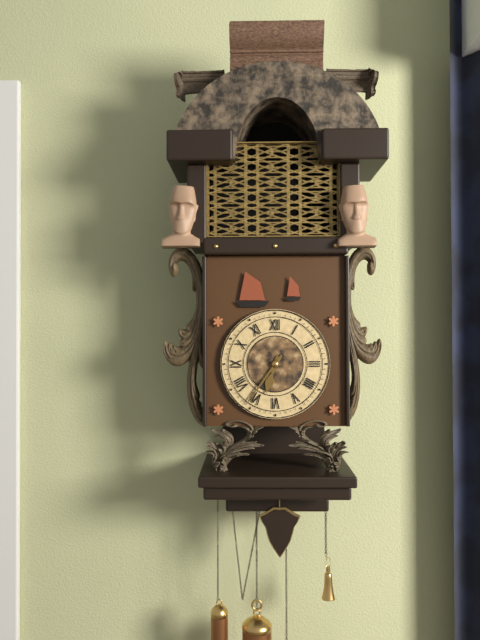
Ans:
6.36
